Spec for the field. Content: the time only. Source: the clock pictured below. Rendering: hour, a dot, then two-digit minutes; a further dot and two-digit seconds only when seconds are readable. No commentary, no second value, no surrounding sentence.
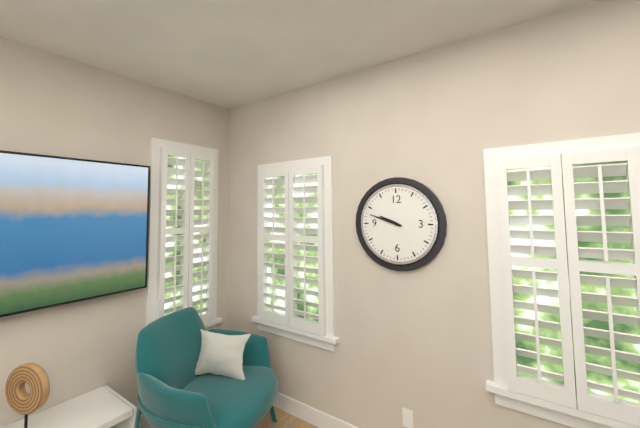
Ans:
9.48
